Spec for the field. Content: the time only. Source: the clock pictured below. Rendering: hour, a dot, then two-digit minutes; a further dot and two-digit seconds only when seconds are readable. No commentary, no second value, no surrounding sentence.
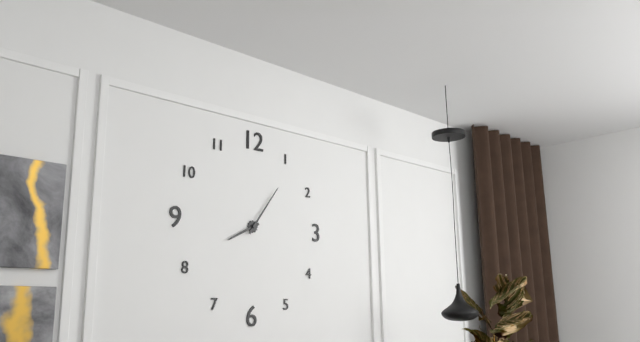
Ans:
8.06
